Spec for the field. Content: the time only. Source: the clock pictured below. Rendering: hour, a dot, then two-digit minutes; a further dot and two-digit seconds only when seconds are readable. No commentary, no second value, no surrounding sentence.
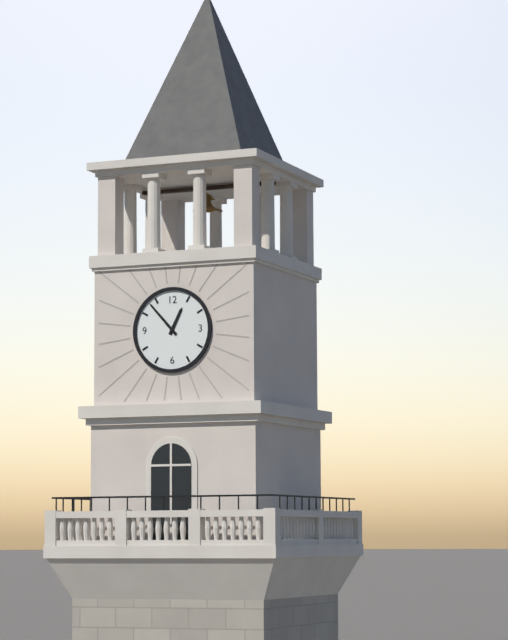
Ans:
12.53
